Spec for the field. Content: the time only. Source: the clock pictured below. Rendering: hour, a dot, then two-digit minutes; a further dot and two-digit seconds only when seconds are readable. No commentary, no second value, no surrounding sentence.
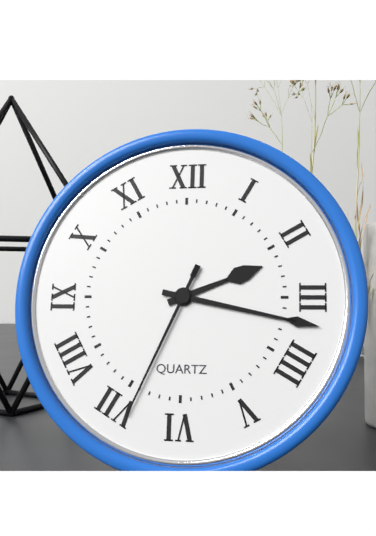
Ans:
2.17.34
